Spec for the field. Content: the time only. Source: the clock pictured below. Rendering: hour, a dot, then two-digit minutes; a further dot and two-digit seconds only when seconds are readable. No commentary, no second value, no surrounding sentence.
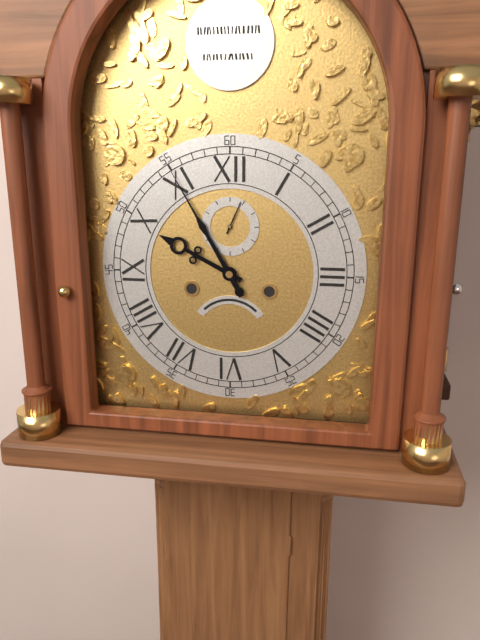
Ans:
9.55
